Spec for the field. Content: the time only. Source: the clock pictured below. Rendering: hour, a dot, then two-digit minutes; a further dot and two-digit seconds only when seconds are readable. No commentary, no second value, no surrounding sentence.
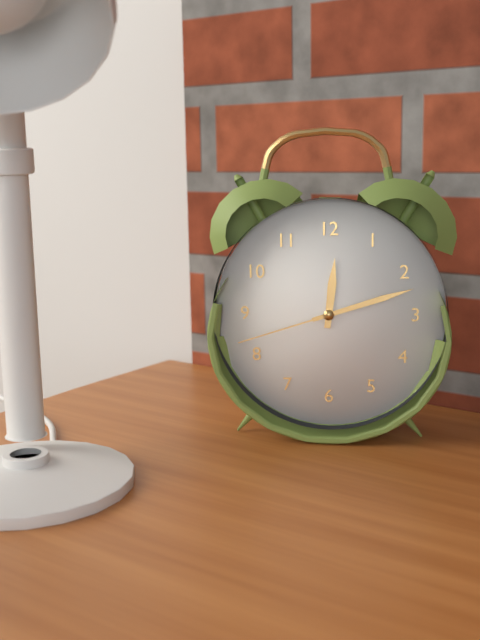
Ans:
12.12.42
